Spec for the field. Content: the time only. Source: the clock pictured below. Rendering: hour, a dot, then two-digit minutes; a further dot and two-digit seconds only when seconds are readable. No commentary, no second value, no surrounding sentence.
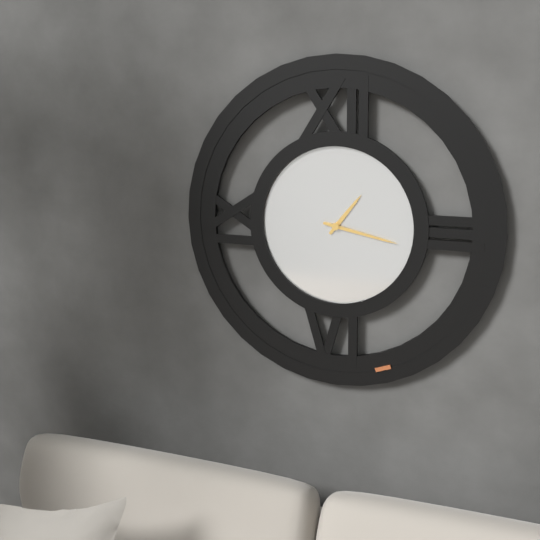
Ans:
1.17
